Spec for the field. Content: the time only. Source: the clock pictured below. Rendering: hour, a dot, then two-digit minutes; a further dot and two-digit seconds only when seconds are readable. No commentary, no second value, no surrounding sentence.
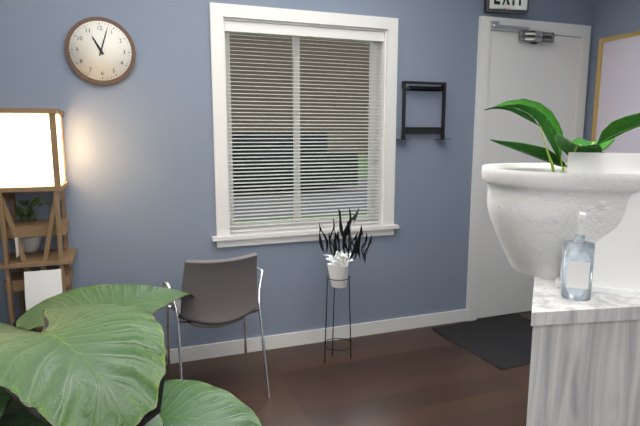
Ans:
11.03
